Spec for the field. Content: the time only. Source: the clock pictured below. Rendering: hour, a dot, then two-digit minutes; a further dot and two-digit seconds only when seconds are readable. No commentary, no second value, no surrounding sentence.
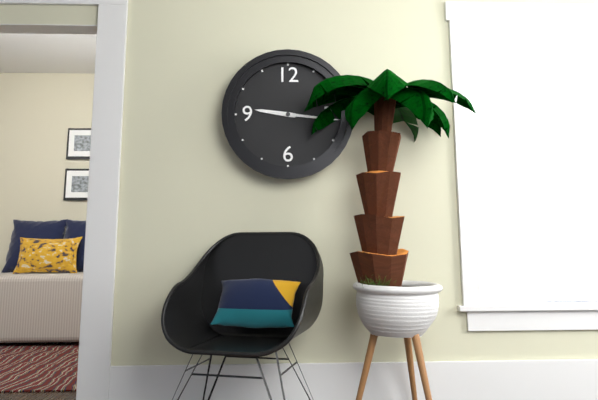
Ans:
9.16
